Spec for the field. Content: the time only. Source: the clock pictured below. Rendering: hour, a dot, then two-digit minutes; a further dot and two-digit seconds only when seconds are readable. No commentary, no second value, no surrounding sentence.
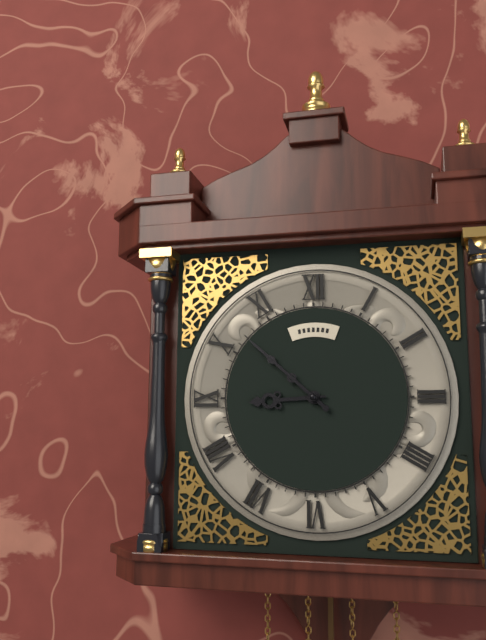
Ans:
8.52
